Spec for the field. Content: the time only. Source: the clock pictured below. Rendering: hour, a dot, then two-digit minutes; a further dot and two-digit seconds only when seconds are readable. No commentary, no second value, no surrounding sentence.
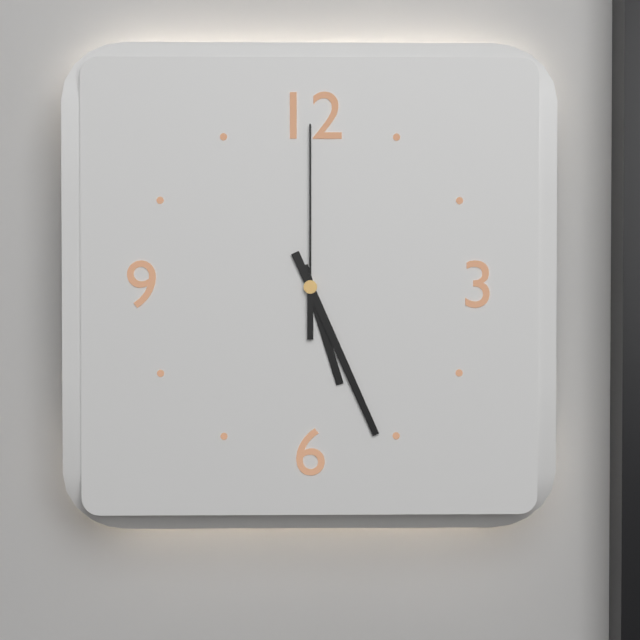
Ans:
5.26.00
